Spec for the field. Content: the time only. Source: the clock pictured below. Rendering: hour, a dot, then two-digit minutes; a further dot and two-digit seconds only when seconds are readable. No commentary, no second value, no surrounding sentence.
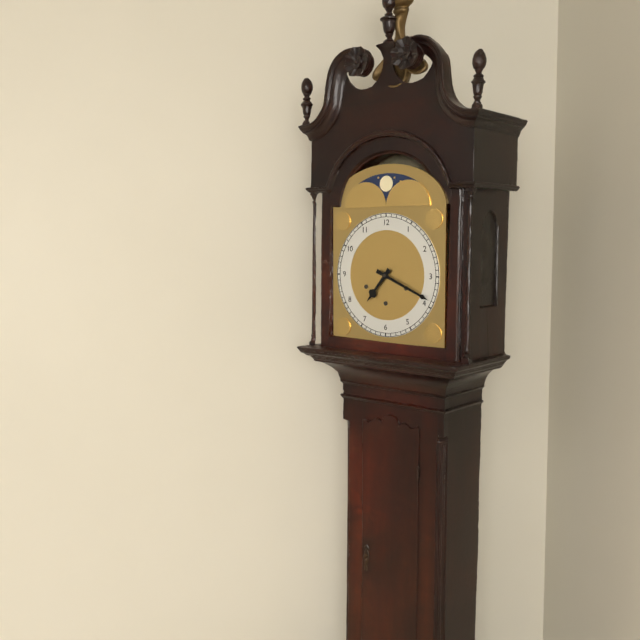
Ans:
7.19
